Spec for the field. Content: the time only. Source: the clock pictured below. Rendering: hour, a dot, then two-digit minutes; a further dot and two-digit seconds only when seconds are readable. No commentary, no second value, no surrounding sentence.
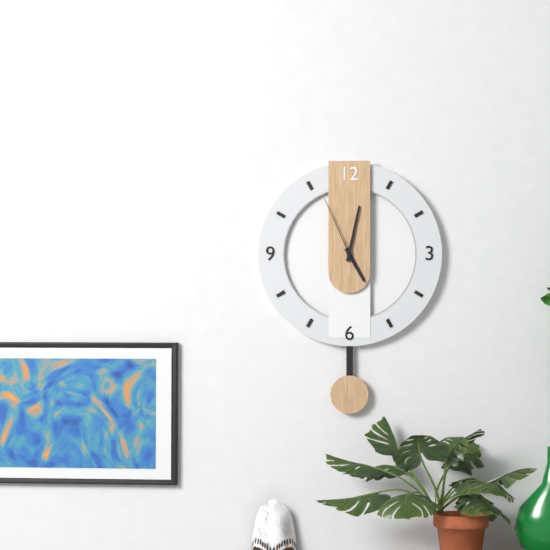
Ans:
5.02.56
